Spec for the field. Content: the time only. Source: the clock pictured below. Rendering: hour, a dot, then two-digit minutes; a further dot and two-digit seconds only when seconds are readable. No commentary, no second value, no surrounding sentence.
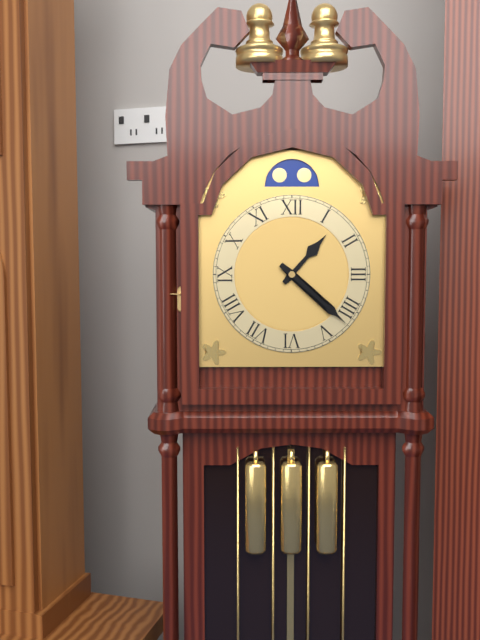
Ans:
1.22
